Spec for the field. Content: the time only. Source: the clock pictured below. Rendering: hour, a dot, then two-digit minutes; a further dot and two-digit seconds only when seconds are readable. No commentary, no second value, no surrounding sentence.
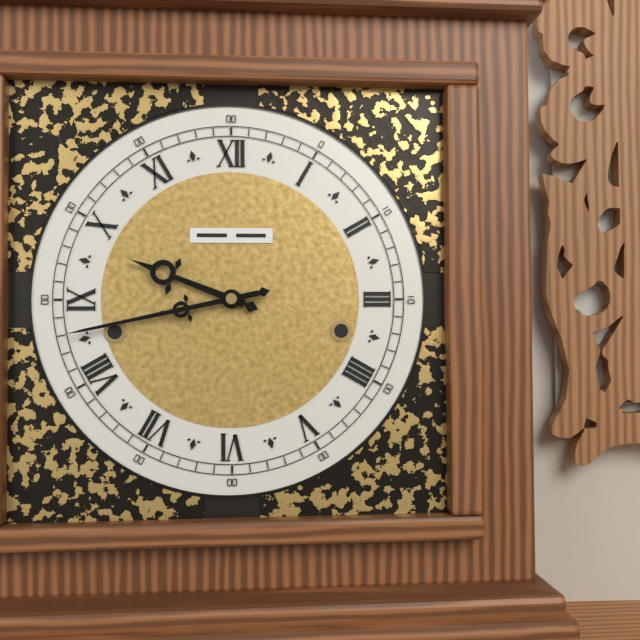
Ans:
9.43
